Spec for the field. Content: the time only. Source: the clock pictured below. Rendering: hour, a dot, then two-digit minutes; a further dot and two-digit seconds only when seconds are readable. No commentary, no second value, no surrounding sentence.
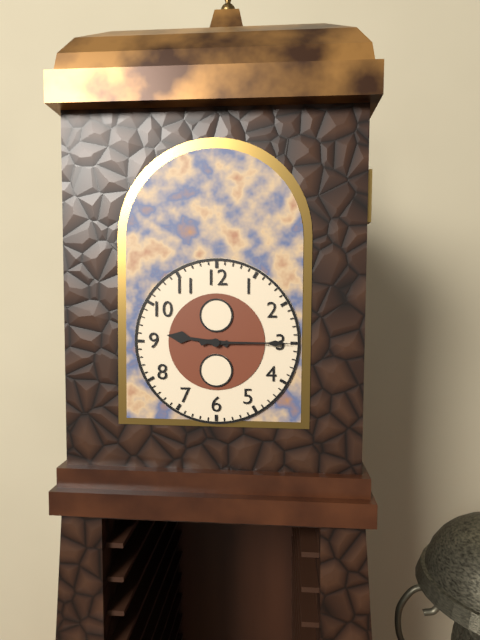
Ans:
9.15
